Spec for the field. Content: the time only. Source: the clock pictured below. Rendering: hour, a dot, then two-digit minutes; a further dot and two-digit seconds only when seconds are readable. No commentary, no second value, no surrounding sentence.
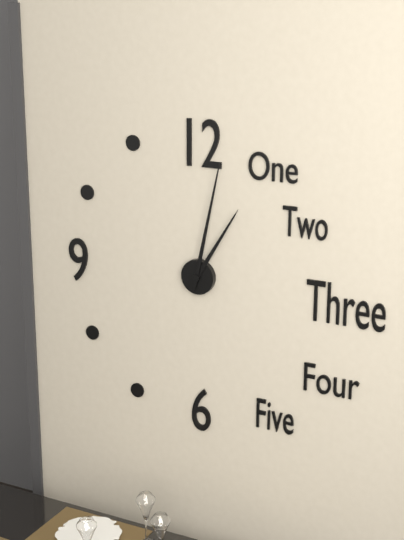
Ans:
1.02
